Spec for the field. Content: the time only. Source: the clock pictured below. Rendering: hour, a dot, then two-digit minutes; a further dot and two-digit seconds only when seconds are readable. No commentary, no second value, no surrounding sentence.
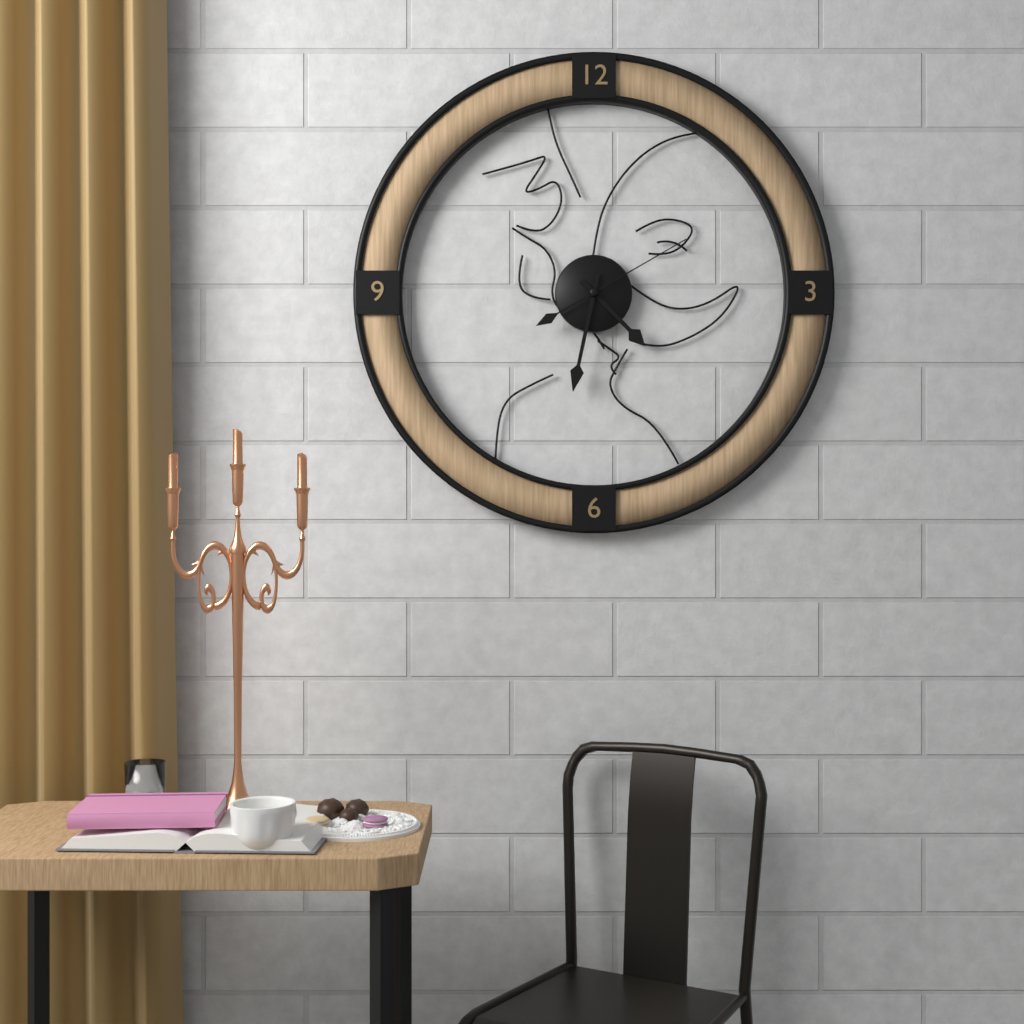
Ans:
4.32.10
